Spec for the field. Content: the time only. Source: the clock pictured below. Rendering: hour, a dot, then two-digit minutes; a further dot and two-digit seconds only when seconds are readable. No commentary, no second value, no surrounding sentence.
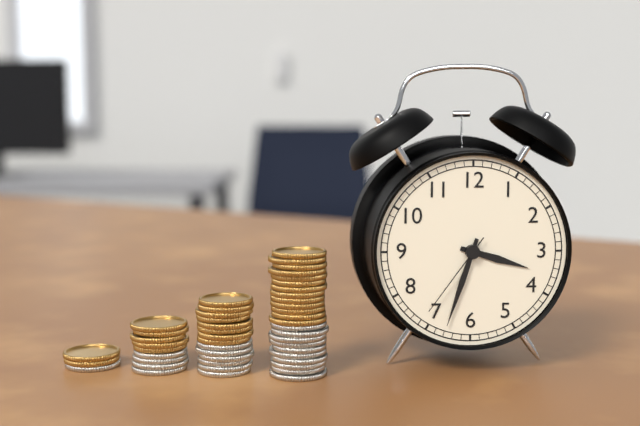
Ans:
3.33.36
